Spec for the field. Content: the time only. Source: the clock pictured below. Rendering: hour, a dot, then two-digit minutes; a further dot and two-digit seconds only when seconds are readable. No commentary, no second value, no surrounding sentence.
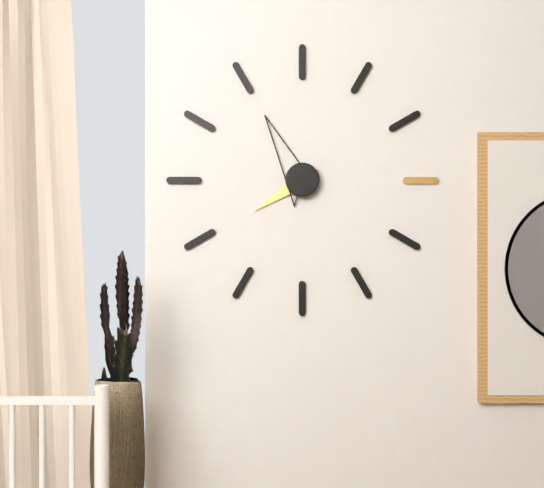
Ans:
7.55
